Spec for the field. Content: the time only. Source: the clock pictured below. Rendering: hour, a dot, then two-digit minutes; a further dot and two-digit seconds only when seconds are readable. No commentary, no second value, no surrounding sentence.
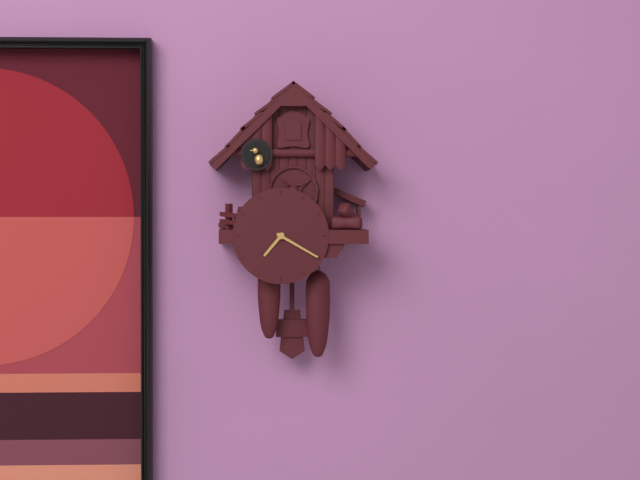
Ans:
7.20
